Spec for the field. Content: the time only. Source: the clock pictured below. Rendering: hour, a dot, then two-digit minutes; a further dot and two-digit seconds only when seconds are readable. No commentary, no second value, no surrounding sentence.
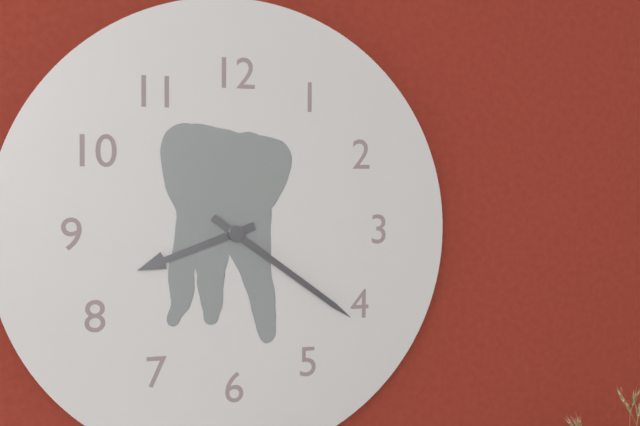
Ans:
8.21
